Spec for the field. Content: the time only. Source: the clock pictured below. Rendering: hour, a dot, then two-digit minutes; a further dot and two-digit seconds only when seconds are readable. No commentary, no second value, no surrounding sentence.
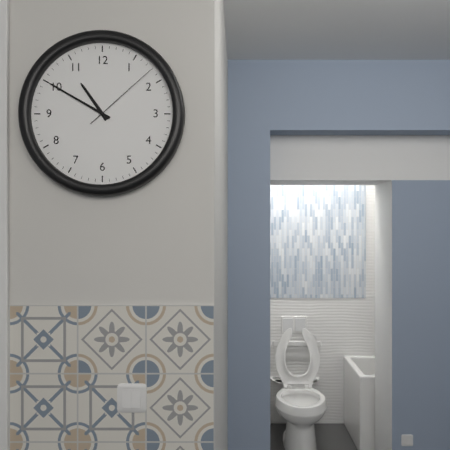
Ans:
10.50.08
